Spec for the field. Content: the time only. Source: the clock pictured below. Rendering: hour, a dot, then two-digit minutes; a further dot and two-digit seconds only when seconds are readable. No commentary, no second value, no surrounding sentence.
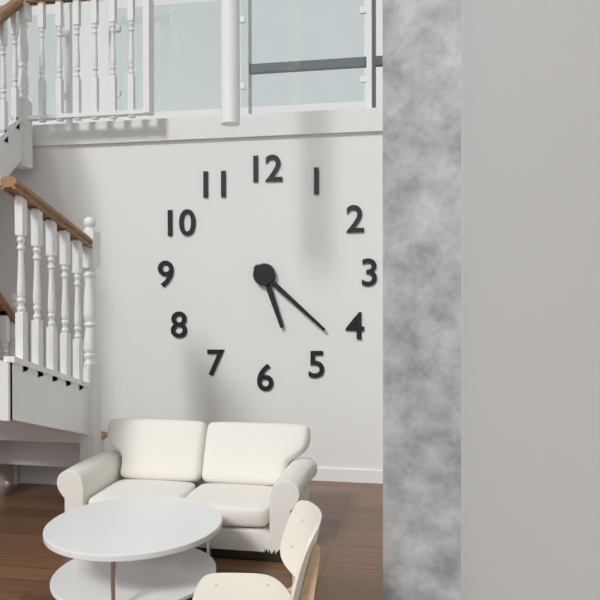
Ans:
5.22
